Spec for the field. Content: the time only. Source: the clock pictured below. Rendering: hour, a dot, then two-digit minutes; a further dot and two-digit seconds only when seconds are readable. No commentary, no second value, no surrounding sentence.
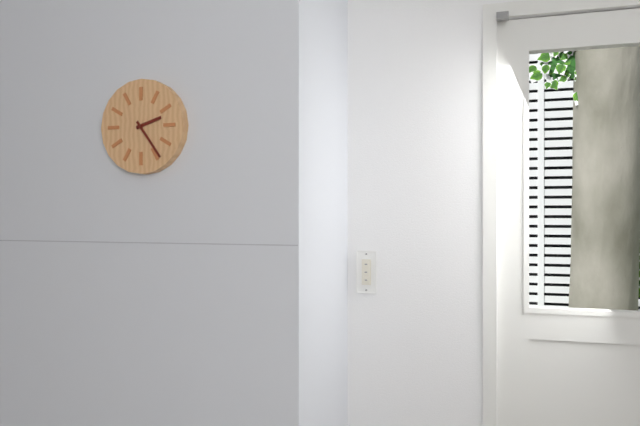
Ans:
2.24
